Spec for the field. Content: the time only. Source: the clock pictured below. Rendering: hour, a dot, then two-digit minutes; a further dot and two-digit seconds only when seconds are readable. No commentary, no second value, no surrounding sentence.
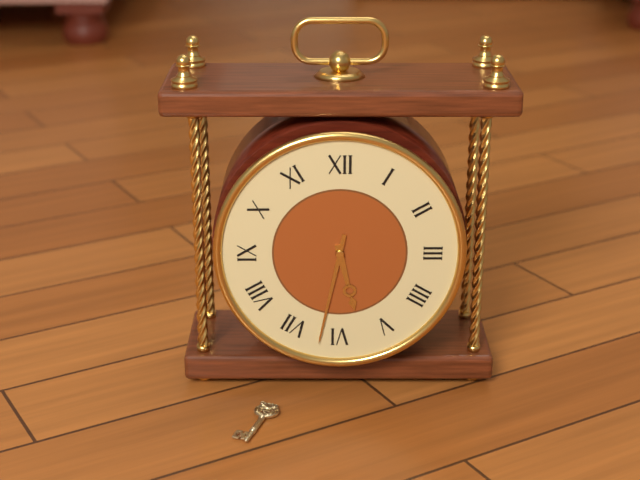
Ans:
5.32
